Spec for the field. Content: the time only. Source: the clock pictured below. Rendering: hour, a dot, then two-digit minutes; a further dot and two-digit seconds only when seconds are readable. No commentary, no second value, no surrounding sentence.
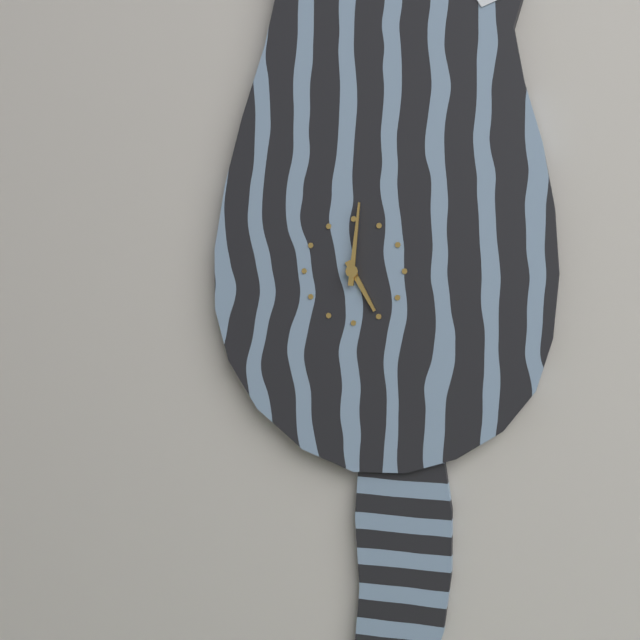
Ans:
5.01
